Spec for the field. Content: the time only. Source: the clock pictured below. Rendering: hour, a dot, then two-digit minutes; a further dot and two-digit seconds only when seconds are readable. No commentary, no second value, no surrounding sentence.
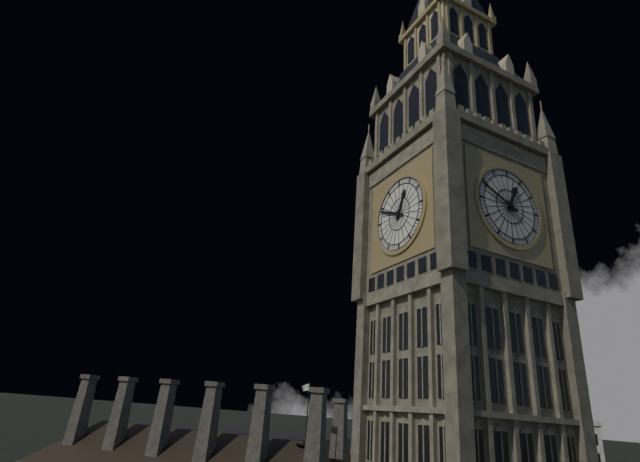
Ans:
12.49
